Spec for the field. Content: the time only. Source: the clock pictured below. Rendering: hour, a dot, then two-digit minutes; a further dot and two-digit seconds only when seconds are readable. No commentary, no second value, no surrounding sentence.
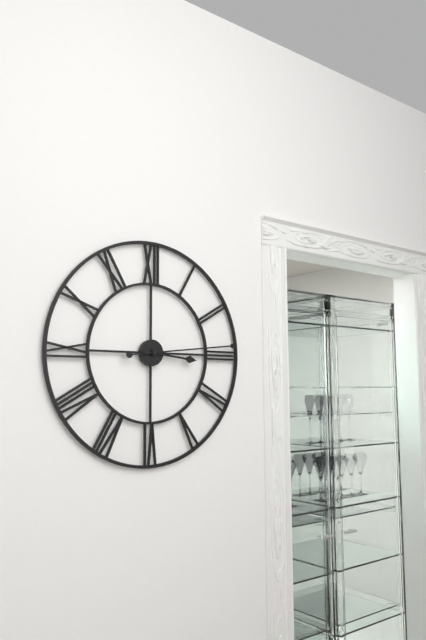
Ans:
3.14
